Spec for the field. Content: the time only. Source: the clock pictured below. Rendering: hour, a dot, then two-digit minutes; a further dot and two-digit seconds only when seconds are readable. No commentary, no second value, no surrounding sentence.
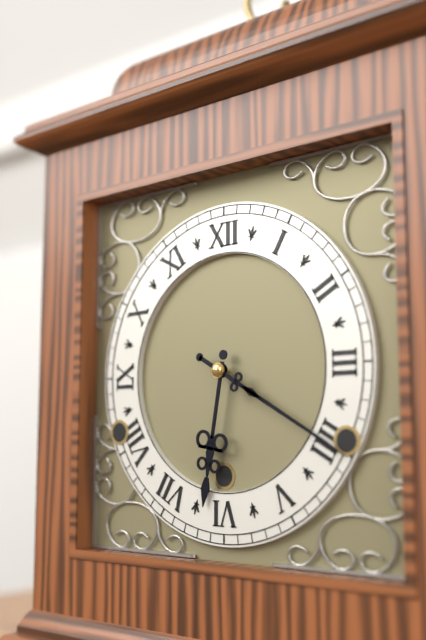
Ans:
6.20
